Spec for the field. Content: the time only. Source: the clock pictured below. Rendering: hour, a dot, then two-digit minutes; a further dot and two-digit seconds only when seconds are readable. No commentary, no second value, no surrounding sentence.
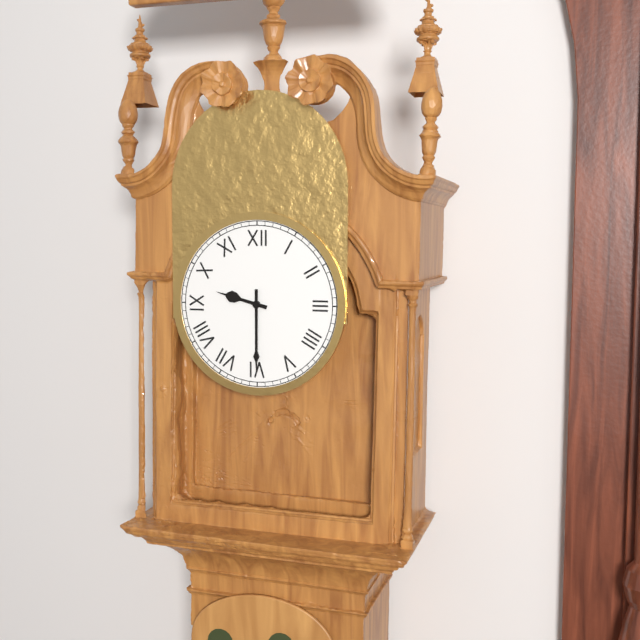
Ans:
9.30
